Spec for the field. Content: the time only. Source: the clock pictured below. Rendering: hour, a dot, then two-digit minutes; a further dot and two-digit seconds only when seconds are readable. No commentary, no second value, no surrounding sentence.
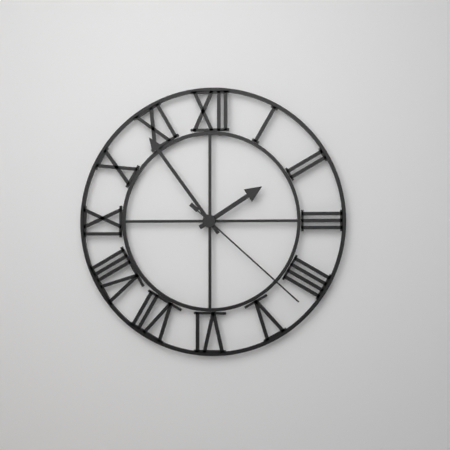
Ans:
1.54.22
